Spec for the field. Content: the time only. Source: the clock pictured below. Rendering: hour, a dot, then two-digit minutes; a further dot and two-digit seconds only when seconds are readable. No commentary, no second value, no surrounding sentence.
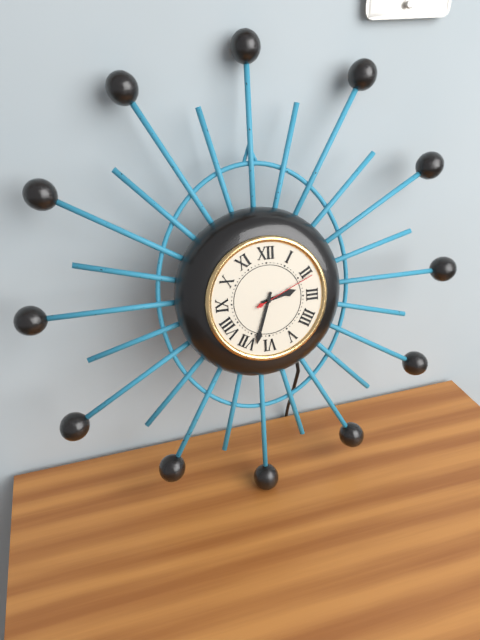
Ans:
2.33.11
